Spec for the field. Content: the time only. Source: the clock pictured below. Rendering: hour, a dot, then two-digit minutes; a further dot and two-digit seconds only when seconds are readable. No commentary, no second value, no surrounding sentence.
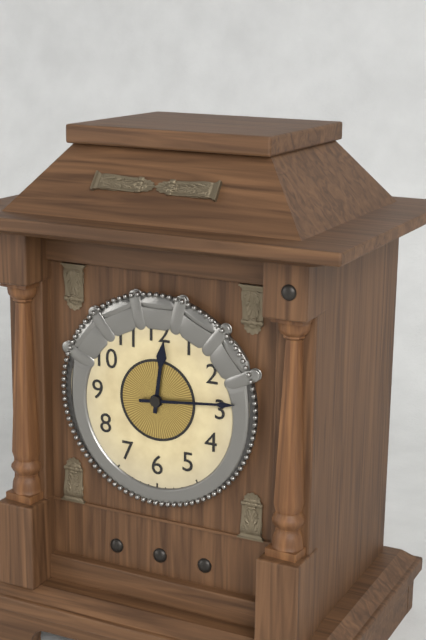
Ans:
12.14
